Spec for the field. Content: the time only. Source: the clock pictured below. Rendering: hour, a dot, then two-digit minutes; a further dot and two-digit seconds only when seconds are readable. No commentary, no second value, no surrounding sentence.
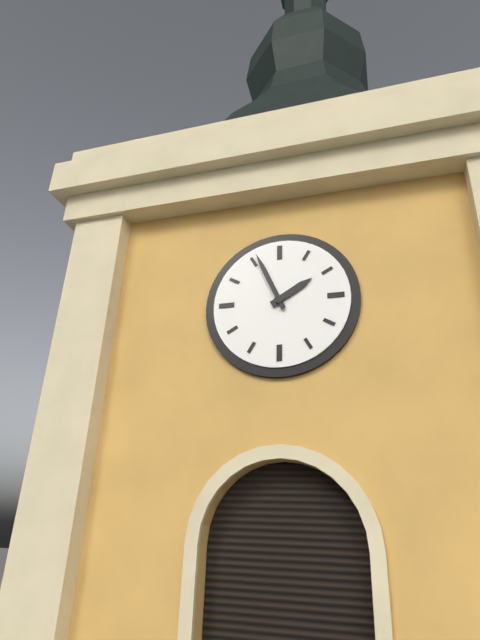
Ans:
1.56
